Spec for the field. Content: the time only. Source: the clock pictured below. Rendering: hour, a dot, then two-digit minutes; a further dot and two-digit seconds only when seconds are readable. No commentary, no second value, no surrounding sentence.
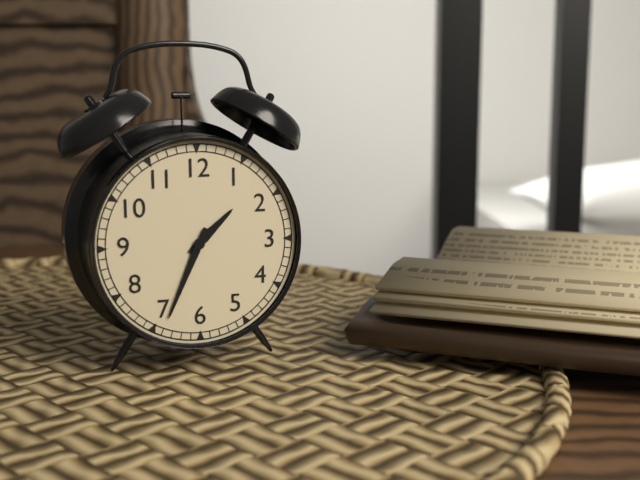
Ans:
1.34
